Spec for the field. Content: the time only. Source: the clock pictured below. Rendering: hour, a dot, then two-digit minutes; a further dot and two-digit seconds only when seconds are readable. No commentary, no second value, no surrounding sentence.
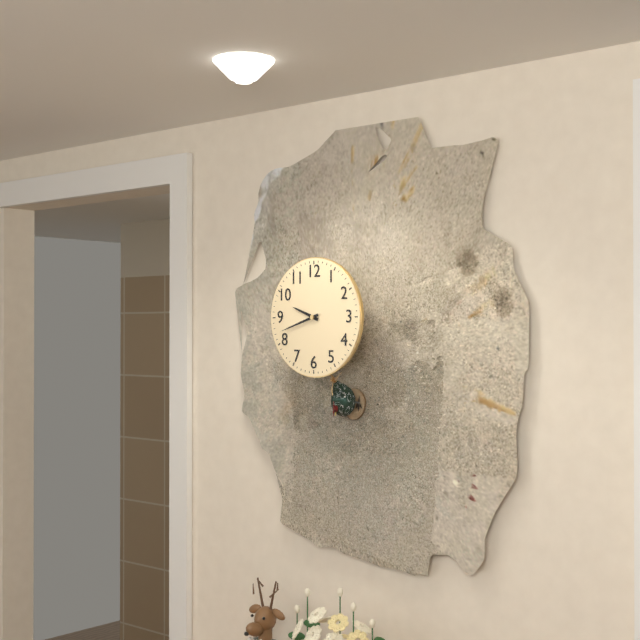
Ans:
9.42
